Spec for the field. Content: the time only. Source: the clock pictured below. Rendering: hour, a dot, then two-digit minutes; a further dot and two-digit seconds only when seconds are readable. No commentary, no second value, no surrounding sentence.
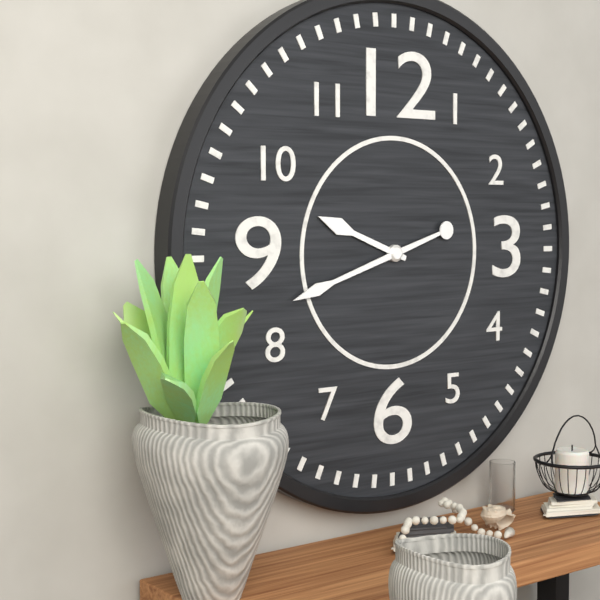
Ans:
9.42
